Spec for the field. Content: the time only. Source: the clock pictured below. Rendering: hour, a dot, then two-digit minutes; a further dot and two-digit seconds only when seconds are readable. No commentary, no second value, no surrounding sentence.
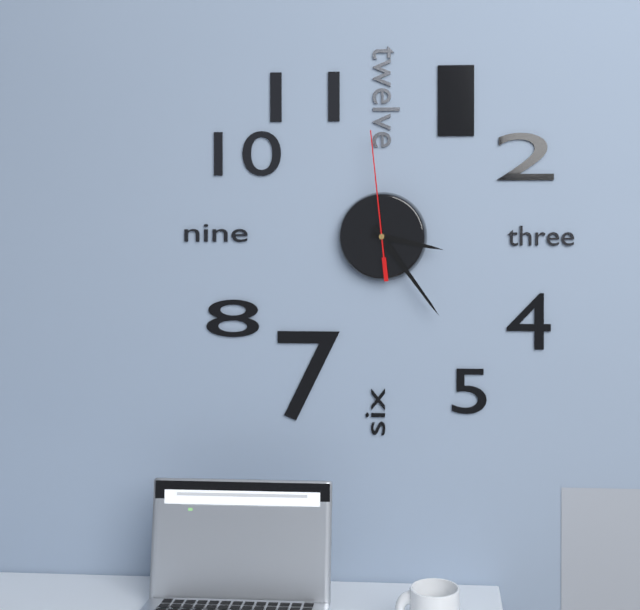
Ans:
3.24.59
